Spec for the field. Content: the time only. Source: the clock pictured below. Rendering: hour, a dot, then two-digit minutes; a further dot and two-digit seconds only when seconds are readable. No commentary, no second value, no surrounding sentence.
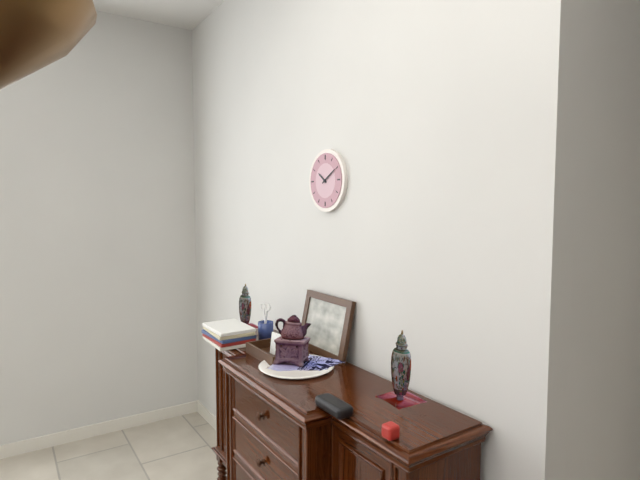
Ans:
10.10
